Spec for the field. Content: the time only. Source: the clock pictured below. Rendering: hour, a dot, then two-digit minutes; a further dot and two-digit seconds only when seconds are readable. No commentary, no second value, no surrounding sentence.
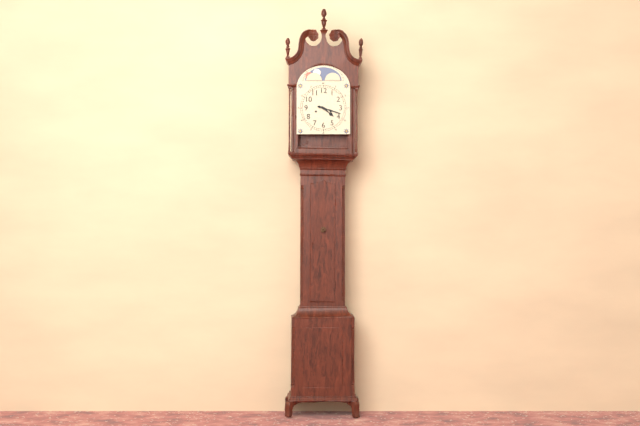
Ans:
4.18
